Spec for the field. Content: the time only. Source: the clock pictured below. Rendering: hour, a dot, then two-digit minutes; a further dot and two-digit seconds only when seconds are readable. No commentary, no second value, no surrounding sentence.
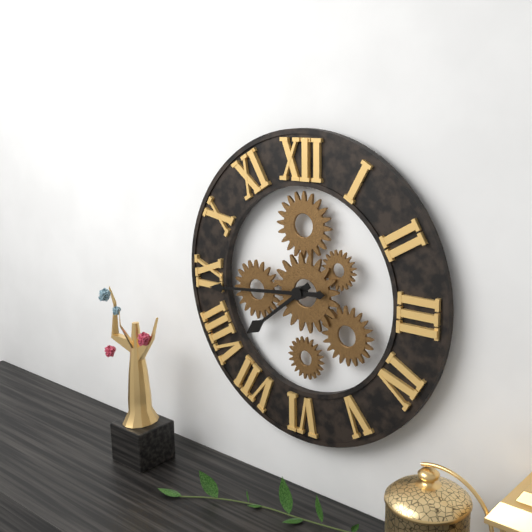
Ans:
7.44
